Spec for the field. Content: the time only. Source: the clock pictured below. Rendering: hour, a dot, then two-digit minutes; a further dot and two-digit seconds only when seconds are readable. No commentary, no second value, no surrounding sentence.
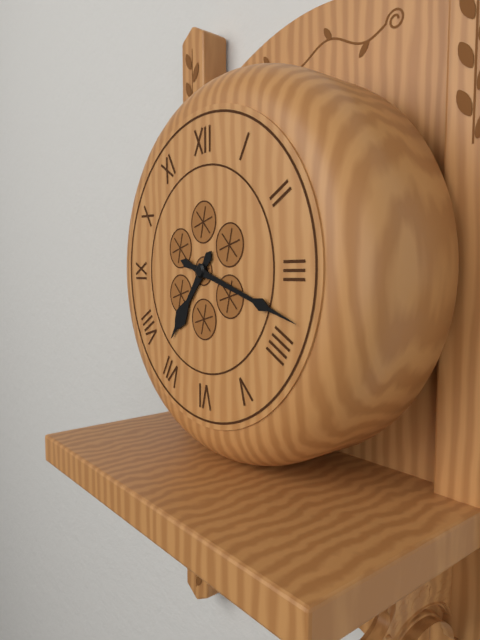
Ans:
7.18
